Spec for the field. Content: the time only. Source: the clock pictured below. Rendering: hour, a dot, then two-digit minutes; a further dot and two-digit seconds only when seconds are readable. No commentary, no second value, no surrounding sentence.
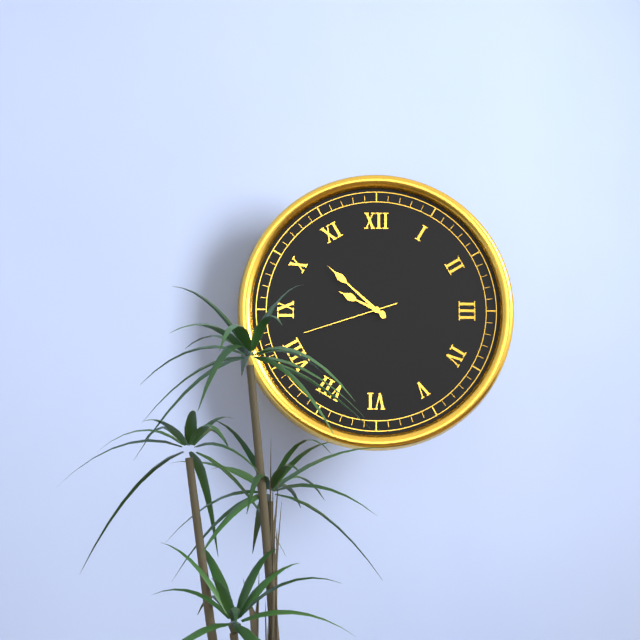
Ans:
9.52.42
